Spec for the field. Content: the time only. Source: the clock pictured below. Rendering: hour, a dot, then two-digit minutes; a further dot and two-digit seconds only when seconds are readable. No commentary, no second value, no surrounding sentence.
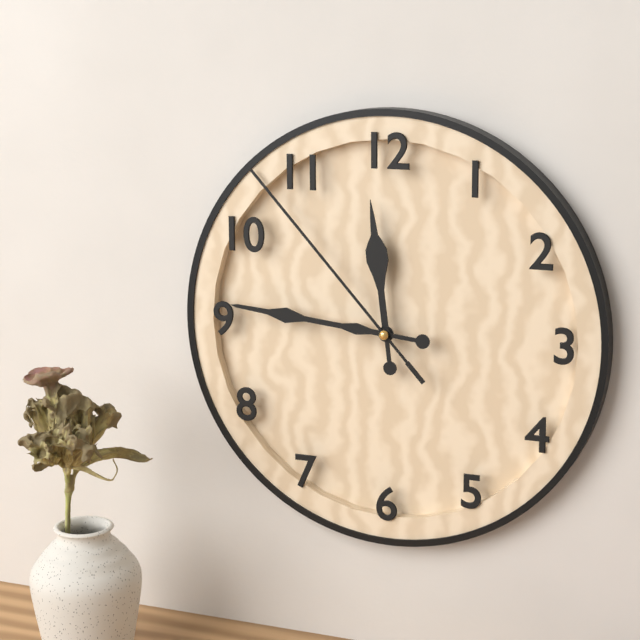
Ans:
11.46.53
